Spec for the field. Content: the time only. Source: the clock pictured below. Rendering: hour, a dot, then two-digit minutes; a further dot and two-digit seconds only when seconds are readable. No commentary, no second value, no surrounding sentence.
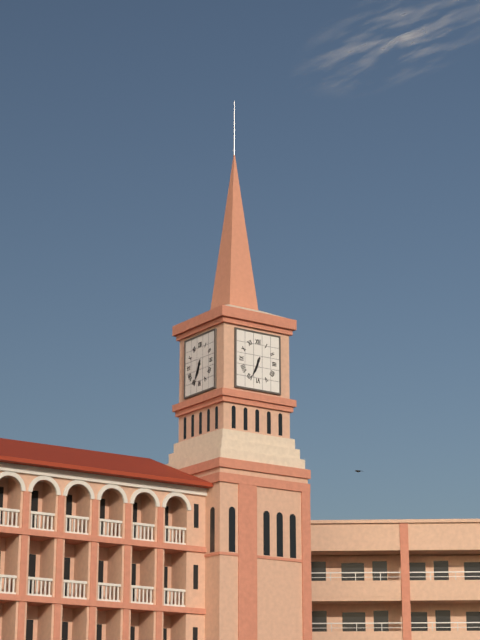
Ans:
6.34
